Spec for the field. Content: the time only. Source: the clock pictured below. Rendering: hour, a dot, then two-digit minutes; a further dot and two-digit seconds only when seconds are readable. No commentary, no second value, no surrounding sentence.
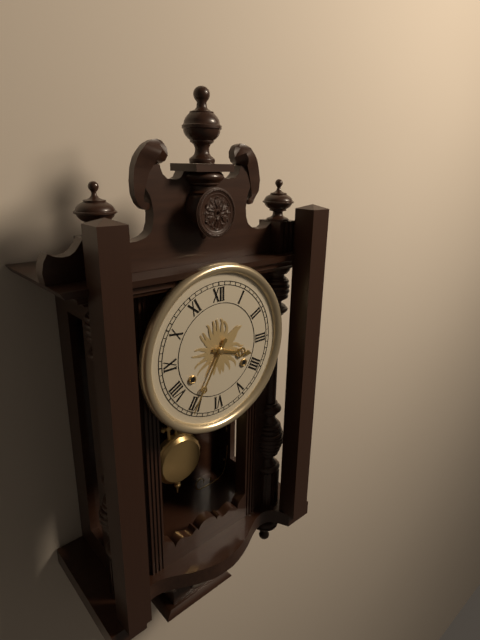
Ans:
3.35
